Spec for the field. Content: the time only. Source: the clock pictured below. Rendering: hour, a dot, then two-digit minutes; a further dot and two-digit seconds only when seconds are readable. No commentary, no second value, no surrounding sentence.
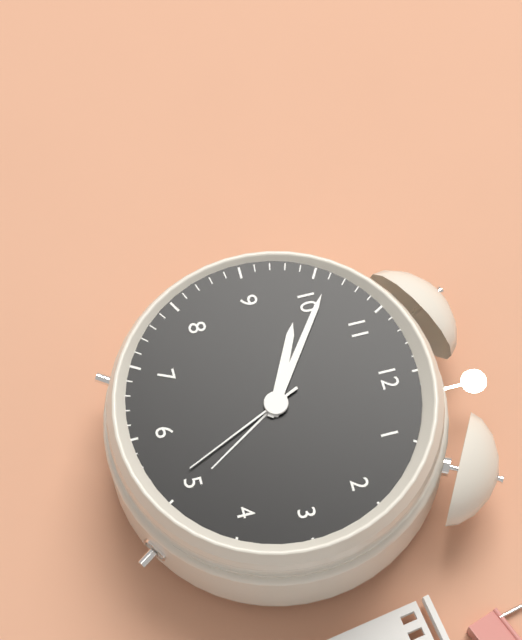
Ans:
9.51.26
